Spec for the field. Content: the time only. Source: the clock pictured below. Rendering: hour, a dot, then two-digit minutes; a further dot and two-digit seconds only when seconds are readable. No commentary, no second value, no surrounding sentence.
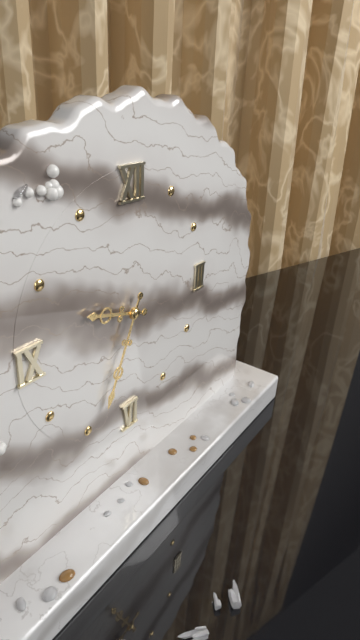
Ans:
9.34
